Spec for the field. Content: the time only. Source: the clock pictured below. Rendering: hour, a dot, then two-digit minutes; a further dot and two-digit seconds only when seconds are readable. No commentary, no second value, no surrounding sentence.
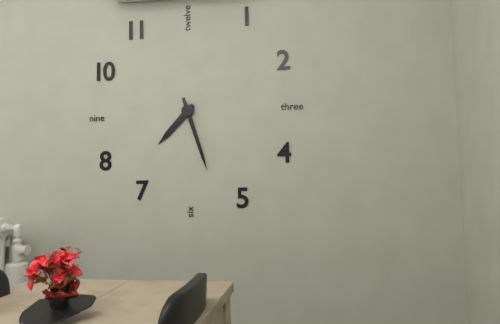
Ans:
7.27
